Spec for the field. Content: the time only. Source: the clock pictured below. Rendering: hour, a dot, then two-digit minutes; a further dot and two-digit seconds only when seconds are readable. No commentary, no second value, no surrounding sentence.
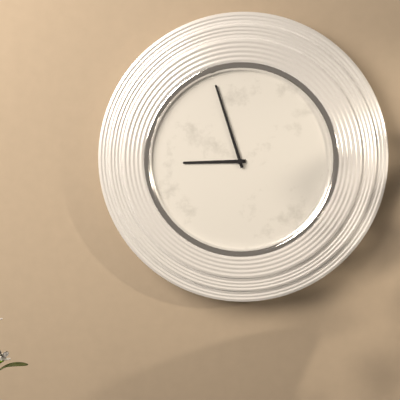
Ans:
8.57
